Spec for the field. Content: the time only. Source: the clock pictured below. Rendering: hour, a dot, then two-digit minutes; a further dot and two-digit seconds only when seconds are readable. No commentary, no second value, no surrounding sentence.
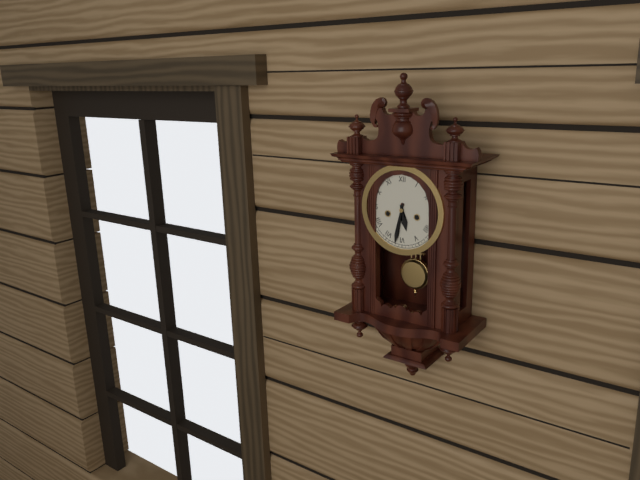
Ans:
5.32
